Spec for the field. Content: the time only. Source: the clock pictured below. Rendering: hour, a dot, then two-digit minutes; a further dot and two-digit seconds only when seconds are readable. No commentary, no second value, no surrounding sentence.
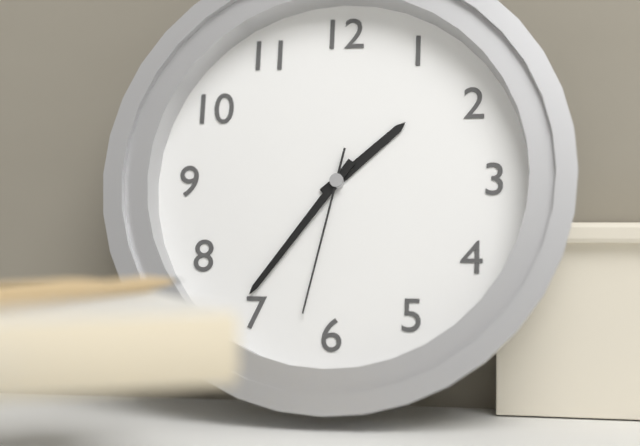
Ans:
1.36.32
